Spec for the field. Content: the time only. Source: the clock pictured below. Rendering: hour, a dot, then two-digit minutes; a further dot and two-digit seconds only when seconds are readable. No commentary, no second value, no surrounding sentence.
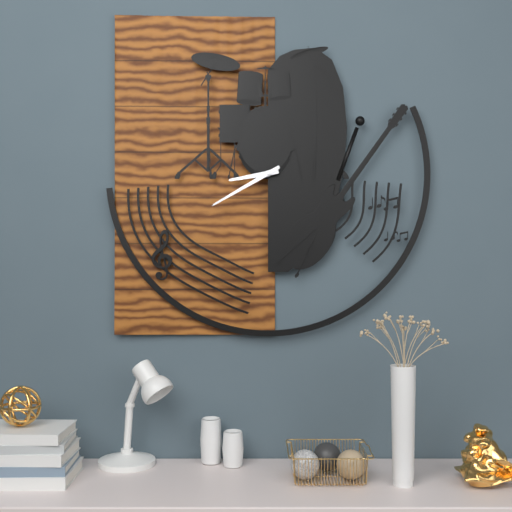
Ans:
8.40
